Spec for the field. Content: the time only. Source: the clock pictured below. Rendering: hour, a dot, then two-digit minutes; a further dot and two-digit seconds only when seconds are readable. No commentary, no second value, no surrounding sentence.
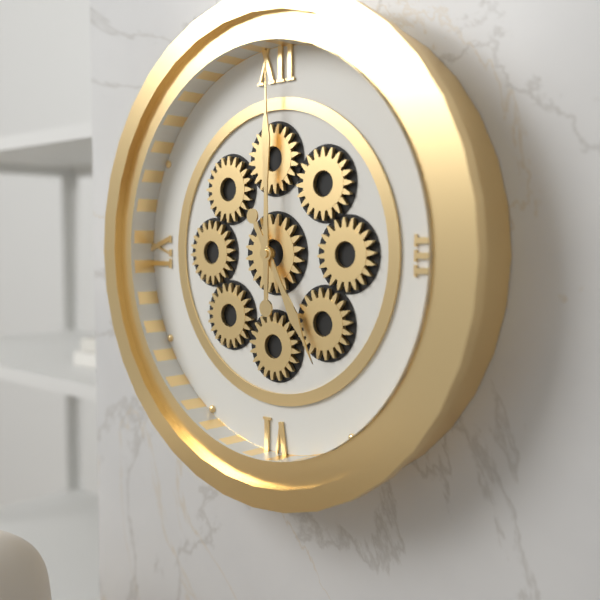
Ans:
5.00
